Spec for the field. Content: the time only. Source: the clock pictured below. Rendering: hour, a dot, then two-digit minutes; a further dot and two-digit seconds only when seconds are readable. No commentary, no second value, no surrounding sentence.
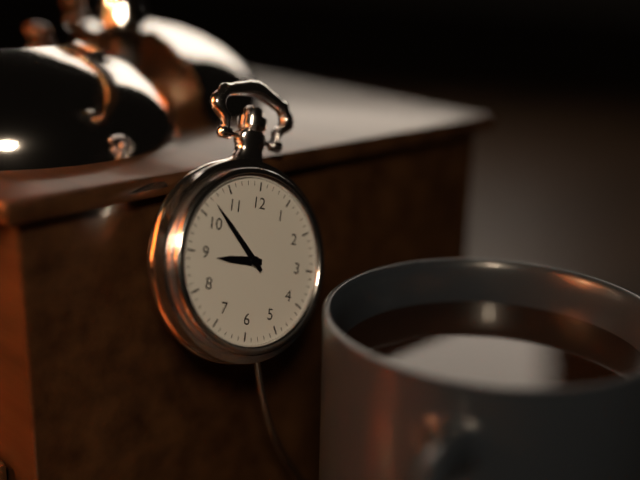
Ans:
8.52
